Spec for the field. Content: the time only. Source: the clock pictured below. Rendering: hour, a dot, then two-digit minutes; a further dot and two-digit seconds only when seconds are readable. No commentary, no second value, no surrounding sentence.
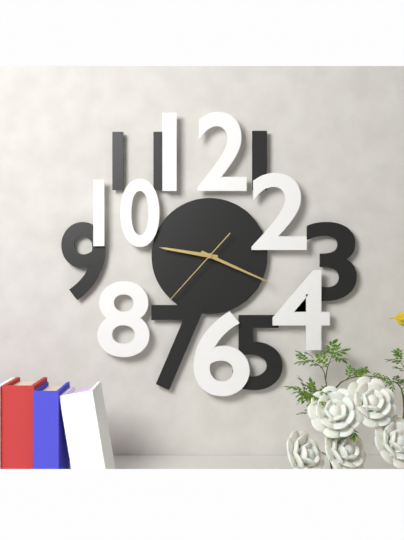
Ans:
9.19.37
